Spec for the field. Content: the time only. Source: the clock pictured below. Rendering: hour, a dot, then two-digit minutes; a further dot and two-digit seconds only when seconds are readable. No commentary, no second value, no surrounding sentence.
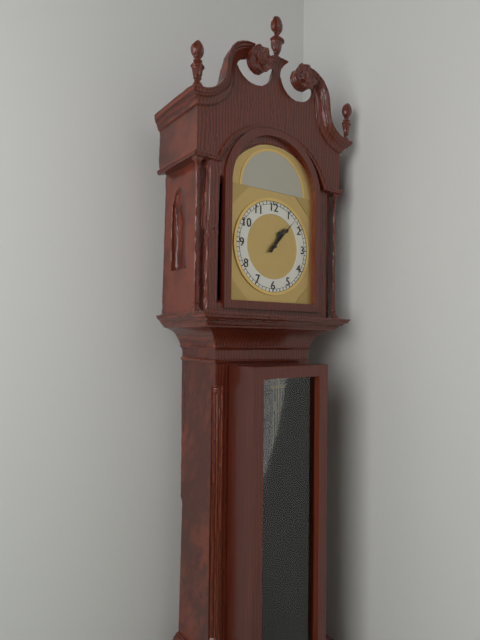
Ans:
1.07
